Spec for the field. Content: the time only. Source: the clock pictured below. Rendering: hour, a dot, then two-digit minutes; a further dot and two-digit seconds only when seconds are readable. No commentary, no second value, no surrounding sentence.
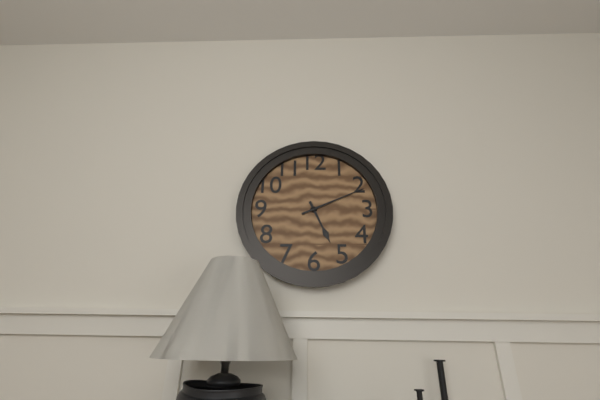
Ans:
5.11
